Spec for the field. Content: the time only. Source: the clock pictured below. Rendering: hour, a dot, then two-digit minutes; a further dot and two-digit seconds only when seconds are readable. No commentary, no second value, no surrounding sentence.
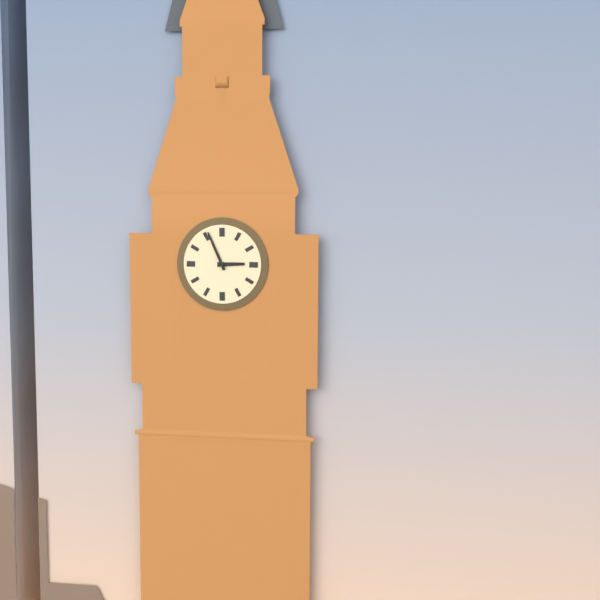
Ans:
2.56
